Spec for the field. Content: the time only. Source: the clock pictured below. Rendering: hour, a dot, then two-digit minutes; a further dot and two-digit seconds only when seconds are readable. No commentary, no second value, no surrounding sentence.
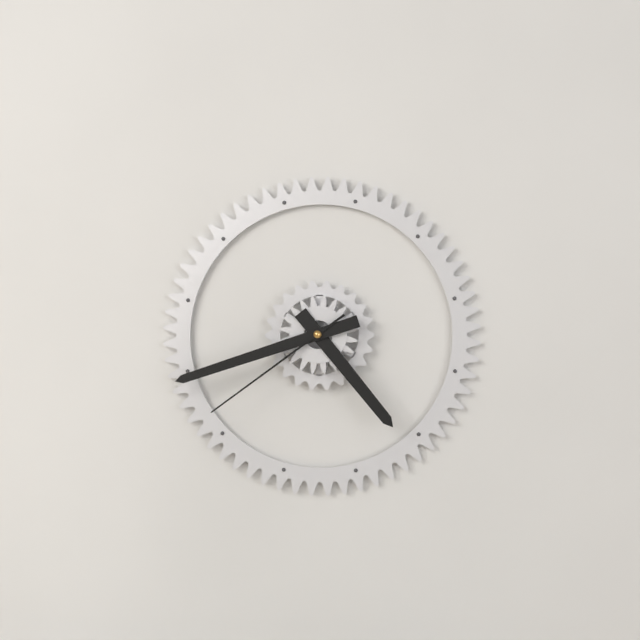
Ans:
4.42.39
